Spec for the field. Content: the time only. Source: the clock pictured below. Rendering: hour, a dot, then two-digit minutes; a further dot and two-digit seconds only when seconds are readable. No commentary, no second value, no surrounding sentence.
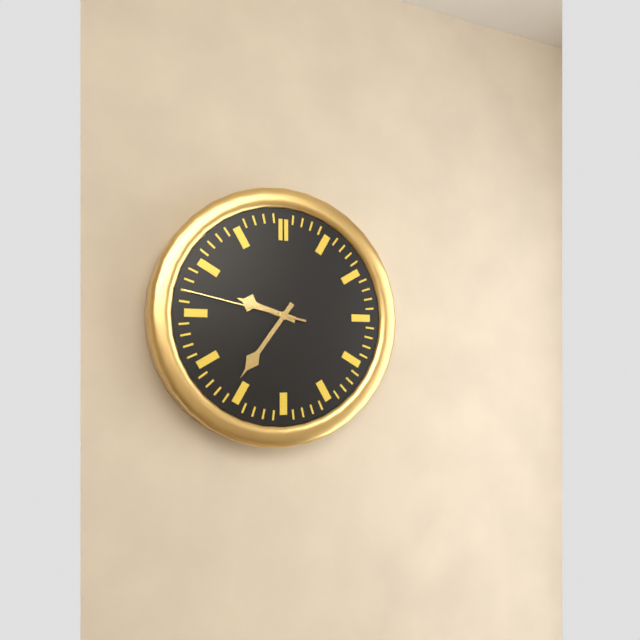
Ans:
9.36.47
